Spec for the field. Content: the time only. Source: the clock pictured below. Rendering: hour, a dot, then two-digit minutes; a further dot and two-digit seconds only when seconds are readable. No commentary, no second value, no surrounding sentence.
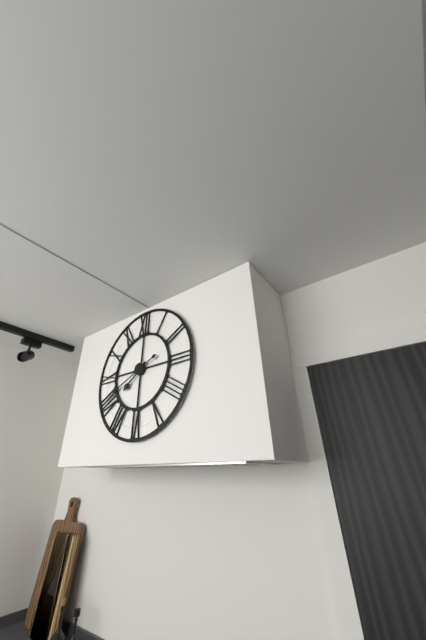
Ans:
7.41
